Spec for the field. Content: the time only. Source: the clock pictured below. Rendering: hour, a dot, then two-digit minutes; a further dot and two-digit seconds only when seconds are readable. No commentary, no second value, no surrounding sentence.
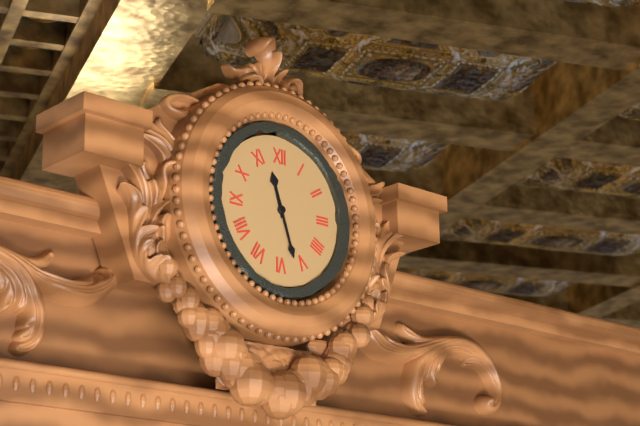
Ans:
11.27
